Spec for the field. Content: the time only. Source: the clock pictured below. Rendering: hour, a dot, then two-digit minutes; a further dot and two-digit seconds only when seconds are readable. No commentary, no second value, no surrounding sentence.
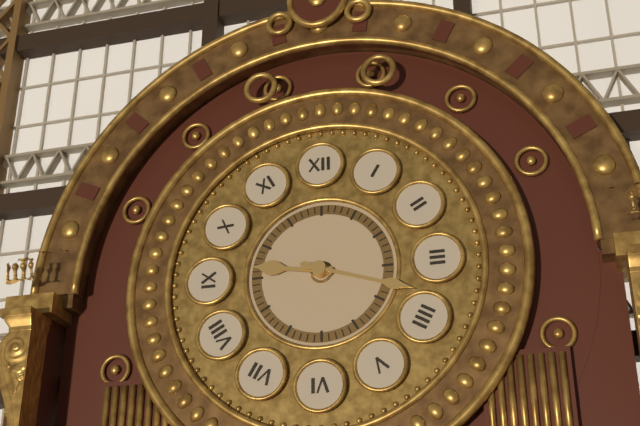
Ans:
9.18
